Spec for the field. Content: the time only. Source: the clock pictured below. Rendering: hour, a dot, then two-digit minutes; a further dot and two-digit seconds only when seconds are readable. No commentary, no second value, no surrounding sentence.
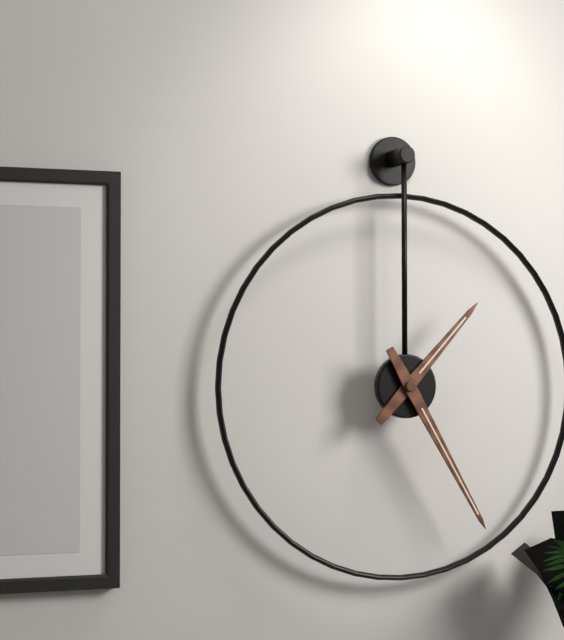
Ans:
1.25
